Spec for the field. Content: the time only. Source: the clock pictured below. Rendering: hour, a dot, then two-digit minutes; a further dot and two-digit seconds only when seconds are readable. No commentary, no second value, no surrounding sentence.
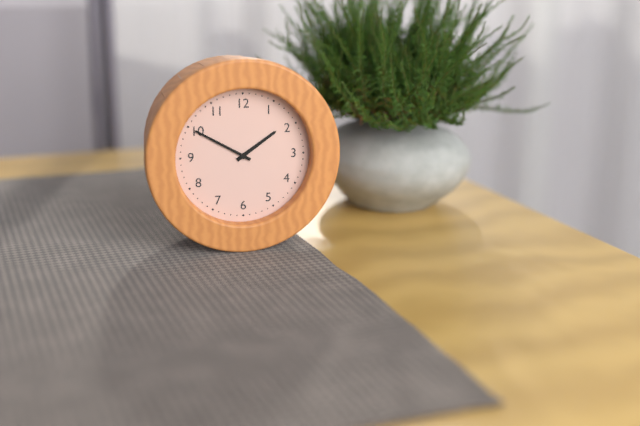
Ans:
1.50
